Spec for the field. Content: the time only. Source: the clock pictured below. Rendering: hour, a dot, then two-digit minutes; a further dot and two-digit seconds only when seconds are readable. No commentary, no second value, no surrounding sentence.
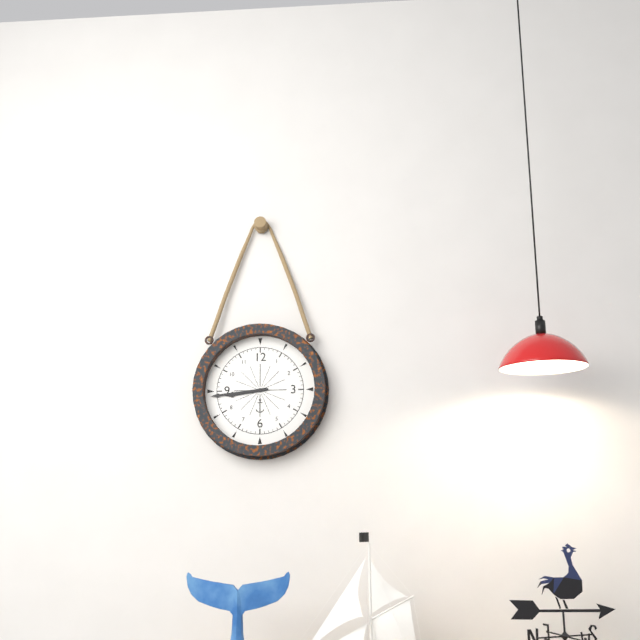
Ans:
8.44
